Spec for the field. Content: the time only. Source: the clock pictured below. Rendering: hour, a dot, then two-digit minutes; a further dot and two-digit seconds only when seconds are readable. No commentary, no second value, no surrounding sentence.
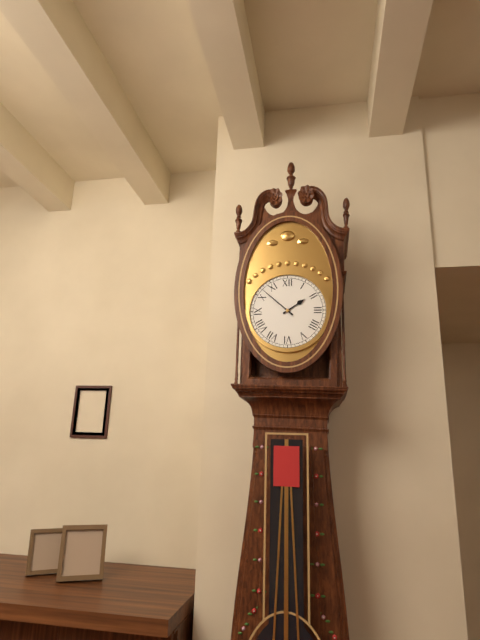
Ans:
1.52
